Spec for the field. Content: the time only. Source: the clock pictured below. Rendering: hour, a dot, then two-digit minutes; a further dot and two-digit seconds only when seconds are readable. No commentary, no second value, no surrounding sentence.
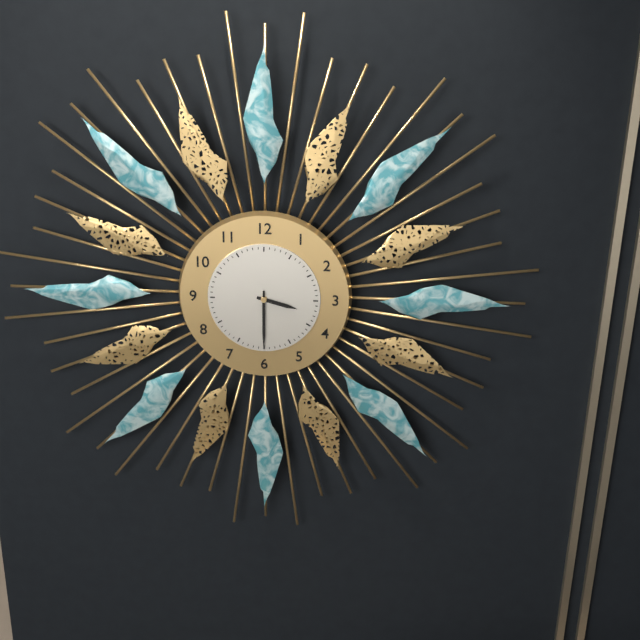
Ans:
3.30
